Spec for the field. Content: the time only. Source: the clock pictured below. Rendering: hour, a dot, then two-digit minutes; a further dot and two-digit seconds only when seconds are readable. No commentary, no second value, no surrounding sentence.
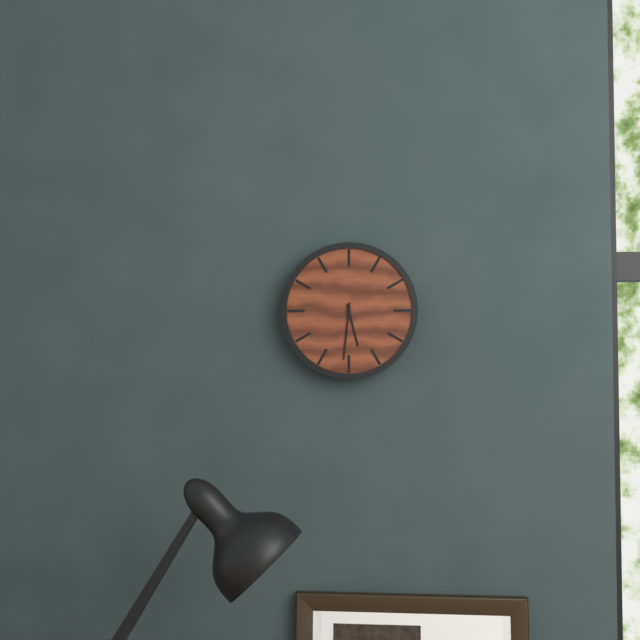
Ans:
5.31
